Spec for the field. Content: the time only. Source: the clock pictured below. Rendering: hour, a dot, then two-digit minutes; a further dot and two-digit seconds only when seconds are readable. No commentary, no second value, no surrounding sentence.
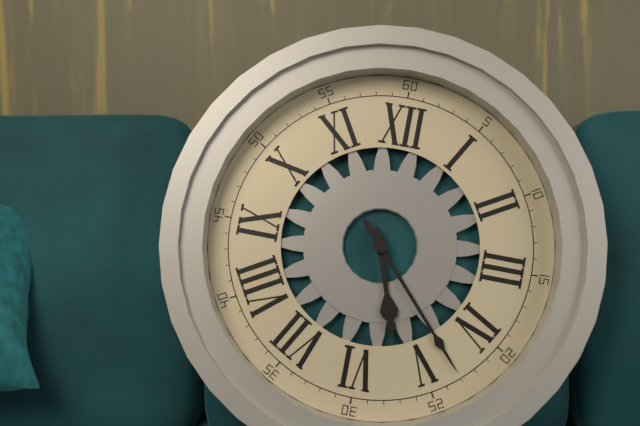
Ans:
5.23
